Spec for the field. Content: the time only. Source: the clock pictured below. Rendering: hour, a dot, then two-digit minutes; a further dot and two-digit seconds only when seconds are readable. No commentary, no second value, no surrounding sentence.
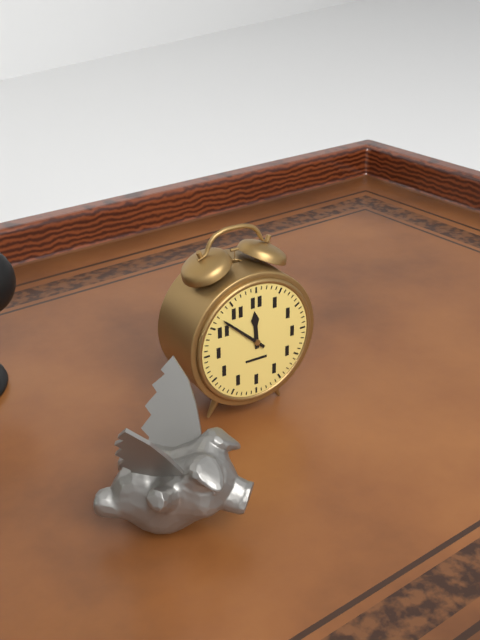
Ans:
11.52
